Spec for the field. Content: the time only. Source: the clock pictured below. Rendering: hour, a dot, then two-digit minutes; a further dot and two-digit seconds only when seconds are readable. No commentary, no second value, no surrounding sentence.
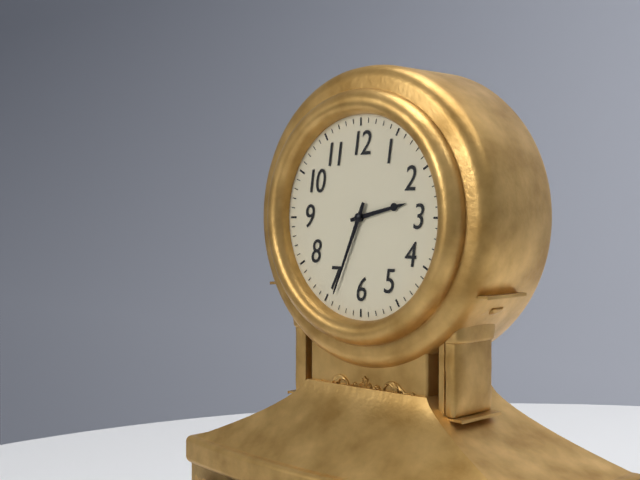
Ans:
2.34
